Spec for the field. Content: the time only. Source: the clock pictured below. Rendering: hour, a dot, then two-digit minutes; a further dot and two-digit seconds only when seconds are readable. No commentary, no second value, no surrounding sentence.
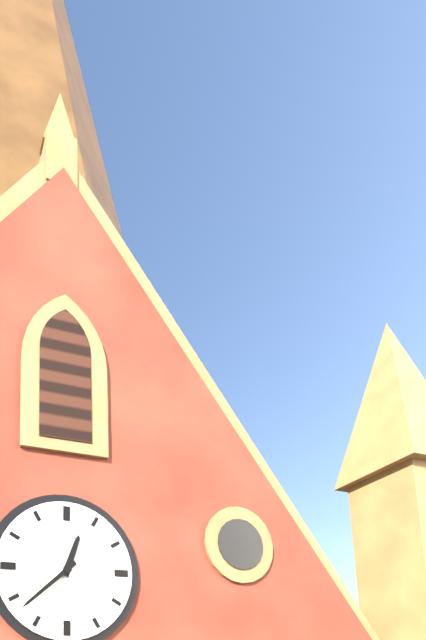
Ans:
12.38
